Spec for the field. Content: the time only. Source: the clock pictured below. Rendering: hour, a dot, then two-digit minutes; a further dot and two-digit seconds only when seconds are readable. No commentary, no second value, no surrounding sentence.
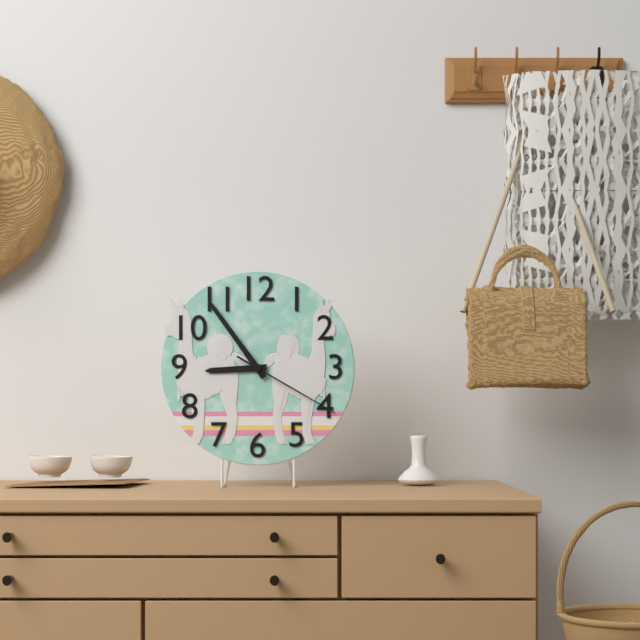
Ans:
8.54.20
